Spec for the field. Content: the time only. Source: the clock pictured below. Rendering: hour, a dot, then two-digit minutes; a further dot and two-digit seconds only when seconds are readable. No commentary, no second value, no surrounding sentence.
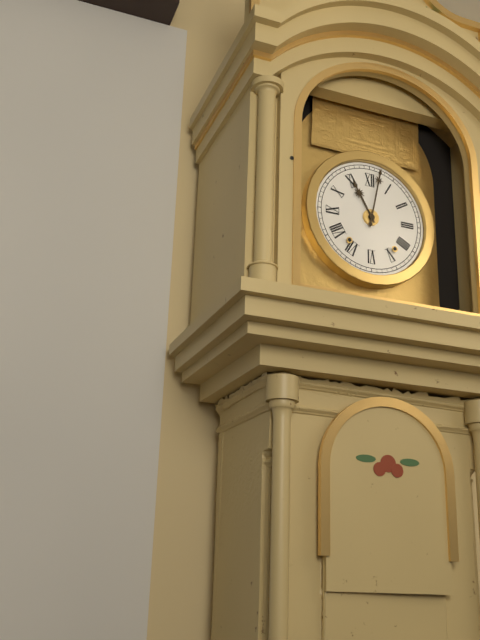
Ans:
11.02
